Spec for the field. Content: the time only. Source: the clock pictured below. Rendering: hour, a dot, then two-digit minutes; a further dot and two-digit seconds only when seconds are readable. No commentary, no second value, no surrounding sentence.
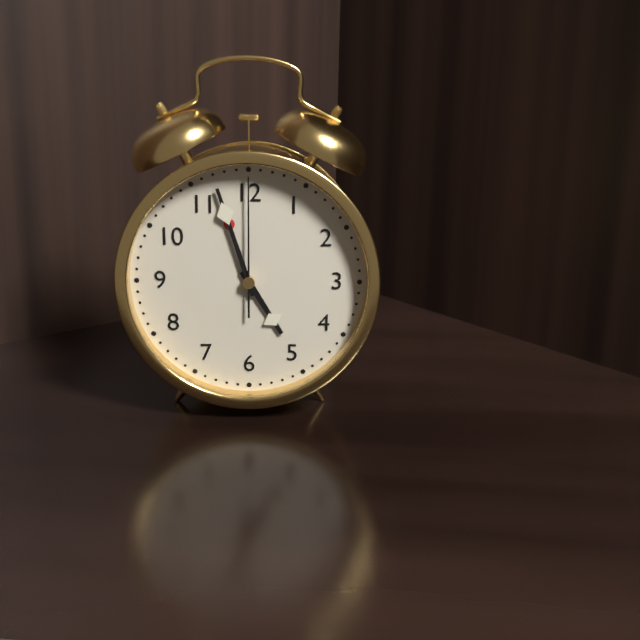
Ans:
4.57.00
